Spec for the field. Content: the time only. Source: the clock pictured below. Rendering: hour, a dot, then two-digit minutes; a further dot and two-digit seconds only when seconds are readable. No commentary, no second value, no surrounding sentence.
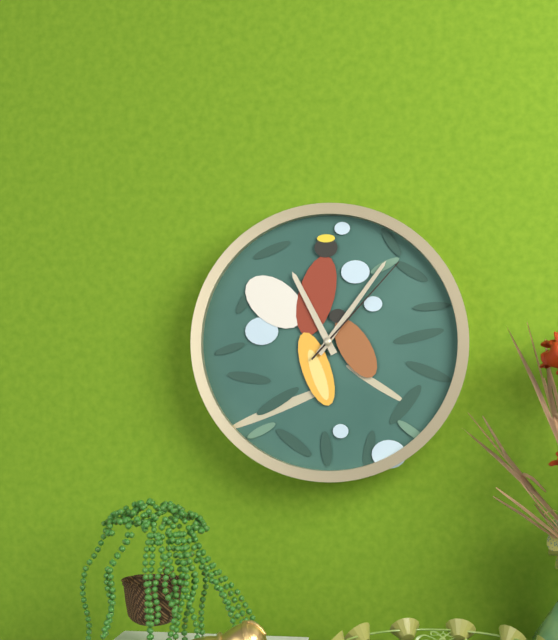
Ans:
11.06.07
